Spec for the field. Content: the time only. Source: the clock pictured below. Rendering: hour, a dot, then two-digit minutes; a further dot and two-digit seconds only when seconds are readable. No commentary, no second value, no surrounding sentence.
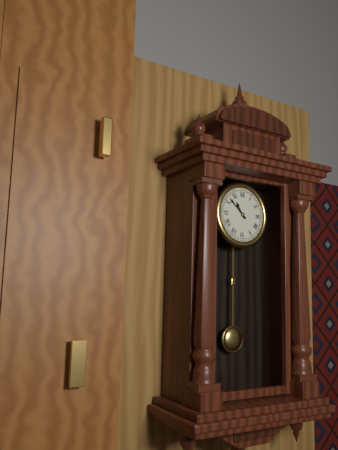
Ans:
10.52
